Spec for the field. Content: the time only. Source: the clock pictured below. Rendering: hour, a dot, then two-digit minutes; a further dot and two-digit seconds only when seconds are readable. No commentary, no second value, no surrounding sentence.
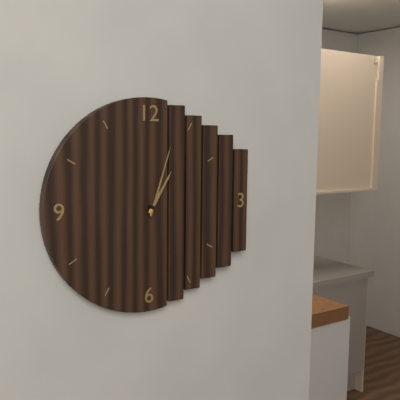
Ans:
1.03
